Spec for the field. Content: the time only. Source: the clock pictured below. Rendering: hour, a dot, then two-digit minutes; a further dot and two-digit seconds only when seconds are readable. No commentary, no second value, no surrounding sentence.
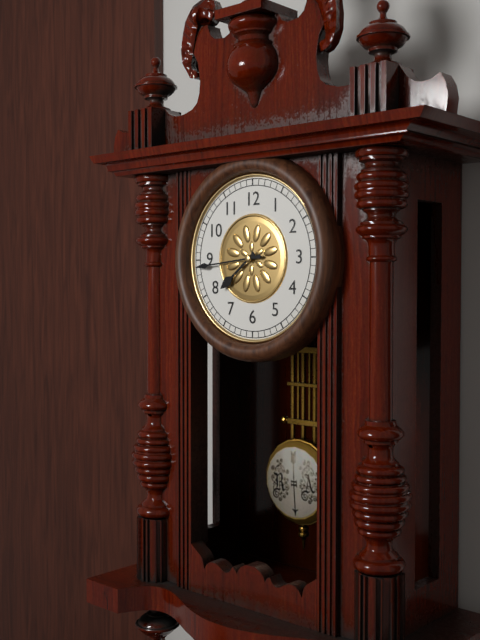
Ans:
7.44
